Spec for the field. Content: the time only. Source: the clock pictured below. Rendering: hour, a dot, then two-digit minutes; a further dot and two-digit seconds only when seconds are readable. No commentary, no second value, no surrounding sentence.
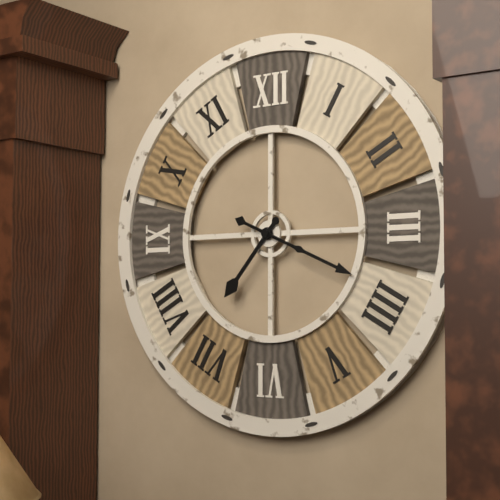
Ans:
7.19
